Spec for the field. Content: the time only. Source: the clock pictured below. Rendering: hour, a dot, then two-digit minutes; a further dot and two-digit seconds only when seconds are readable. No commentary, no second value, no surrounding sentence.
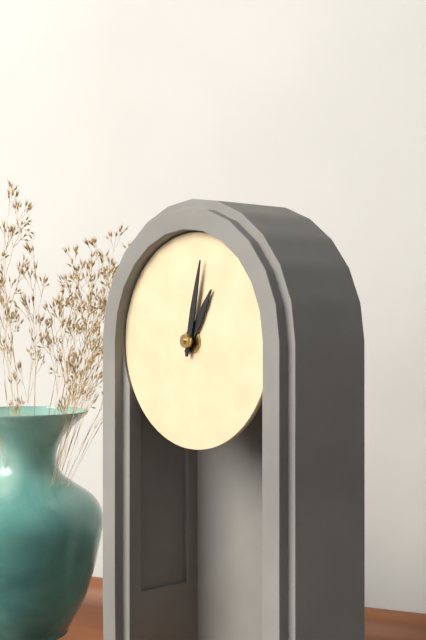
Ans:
1.02
